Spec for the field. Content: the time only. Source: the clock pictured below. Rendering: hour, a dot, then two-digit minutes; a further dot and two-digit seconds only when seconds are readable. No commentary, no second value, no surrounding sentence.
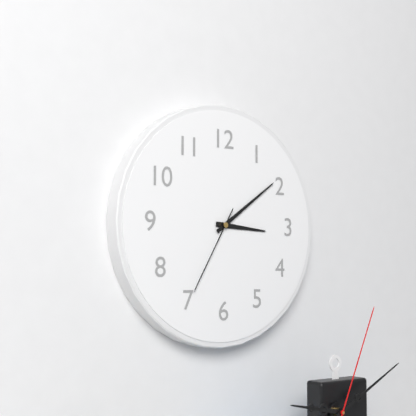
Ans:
3.09.35
